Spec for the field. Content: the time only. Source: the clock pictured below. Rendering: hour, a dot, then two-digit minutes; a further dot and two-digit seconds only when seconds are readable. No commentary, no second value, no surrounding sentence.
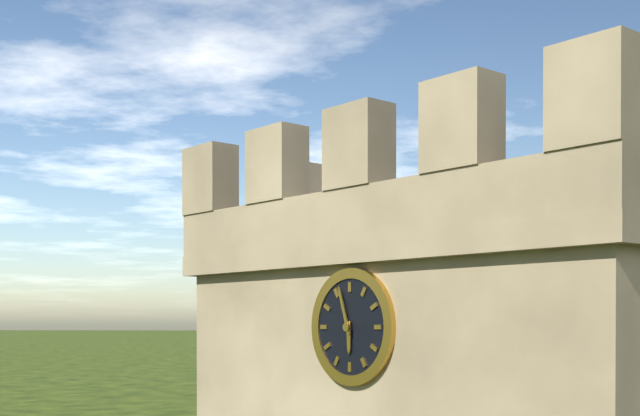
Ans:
5.57
